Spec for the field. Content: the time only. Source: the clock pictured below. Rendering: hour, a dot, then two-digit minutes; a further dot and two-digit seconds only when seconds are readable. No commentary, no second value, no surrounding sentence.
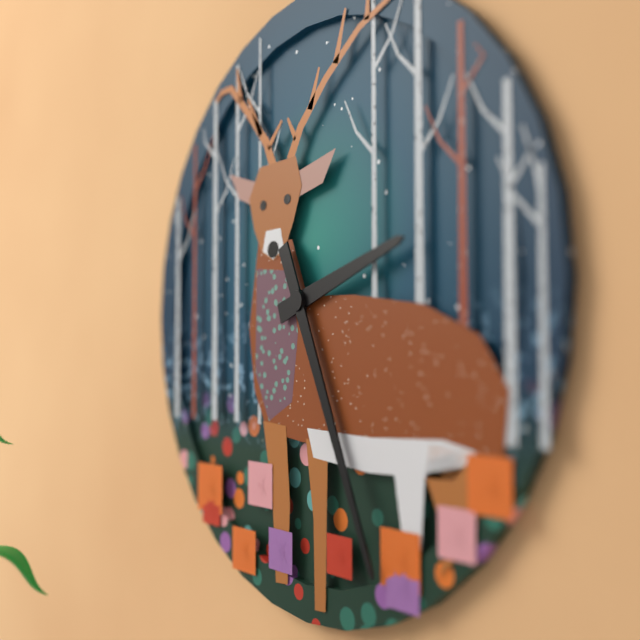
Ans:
2.26
